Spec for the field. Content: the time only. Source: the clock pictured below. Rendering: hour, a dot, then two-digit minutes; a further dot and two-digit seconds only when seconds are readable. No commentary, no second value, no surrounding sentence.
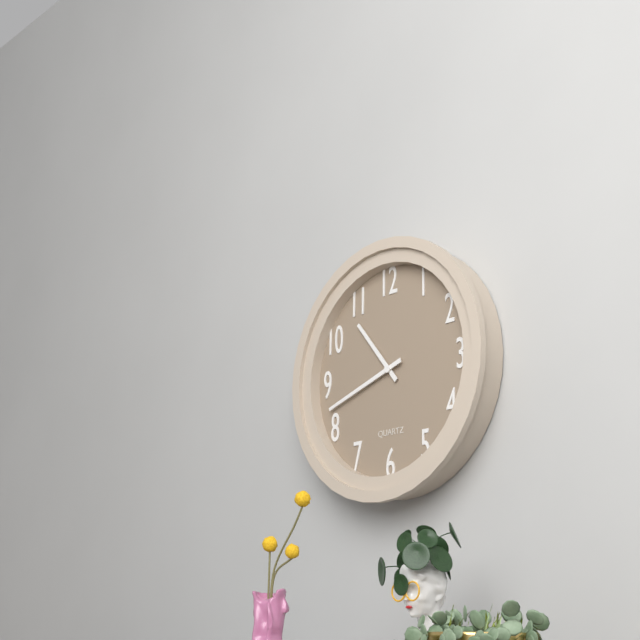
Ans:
10.42
